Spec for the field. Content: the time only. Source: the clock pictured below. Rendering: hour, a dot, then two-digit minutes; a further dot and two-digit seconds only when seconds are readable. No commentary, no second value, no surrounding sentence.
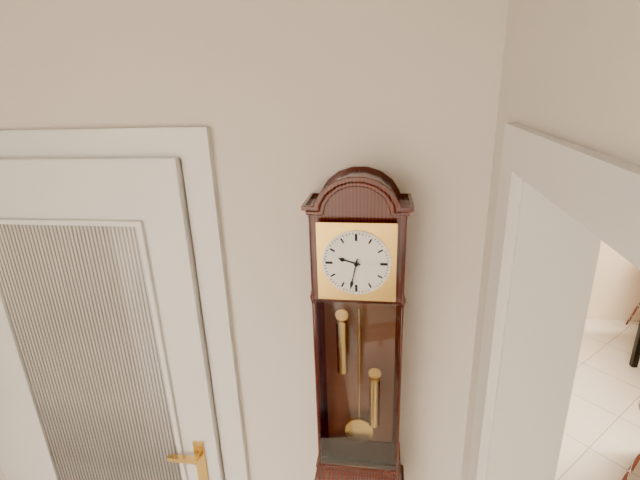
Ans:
9.32
